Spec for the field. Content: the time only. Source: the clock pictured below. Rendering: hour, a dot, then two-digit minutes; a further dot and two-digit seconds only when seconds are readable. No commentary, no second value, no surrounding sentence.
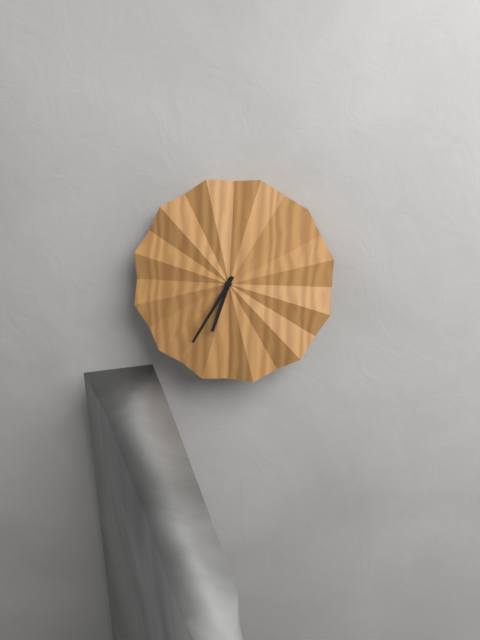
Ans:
6.35
